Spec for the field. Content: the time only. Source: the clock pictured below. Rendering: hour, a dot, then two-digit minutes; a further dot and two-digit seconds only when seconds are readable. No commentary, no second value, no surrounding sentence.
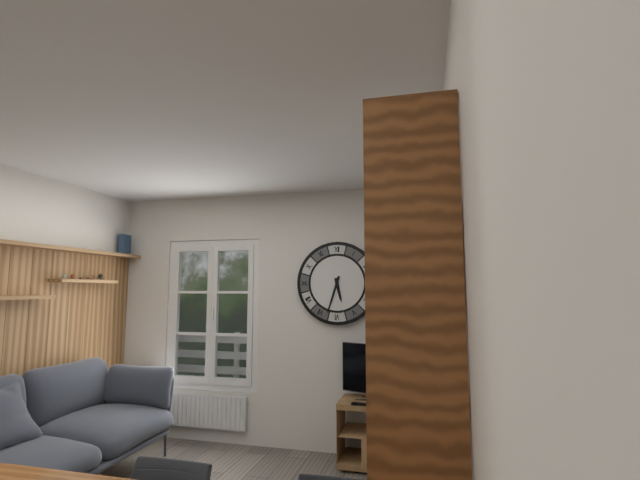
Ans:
5.33
